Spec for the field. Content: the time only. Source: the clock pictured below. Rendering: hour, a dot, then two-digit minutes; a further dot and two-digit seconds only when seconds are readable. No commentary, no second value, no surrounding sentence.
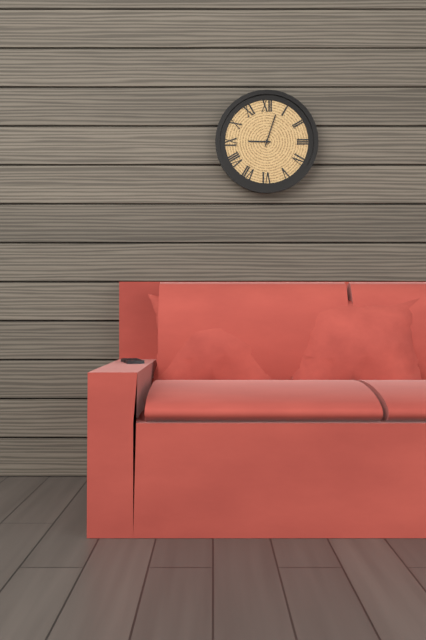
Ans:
9.03
